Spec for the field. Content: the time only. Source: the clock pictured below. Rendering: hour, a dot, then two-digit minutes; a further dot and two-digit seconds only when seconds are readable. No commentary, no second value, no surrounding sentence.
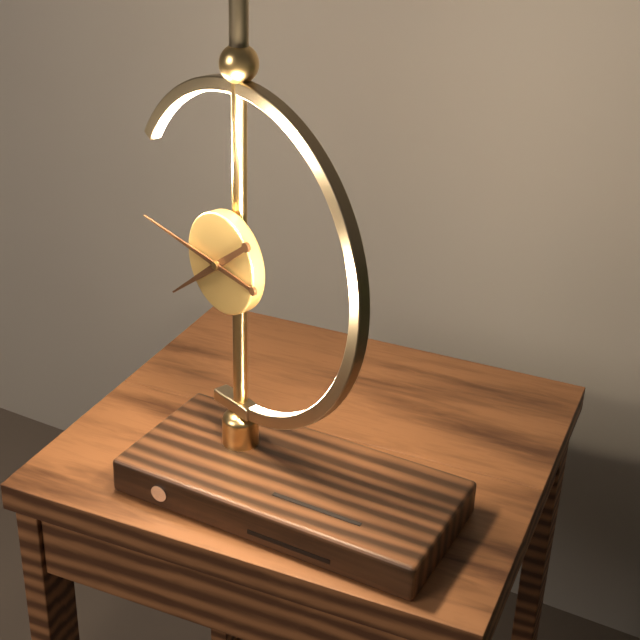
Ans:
7.46
